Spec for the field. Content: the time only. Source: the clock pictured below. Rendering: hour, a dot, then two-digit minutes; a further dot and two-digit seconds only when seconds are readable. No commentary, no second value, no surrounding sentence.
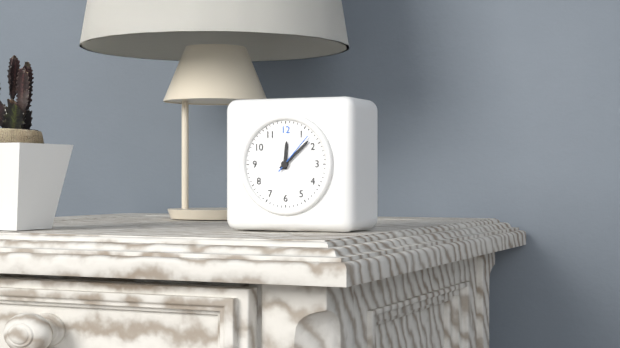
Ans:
12.08
